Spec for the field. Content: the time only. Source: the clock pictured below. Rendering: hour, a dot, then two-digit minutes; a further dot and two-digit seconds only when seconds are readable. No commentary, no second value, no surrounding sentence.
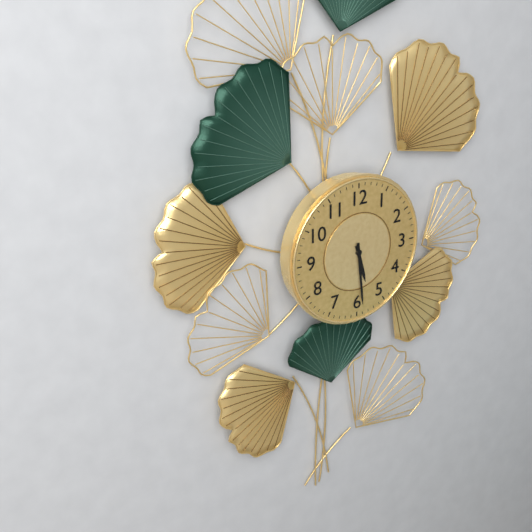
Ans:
5.29
